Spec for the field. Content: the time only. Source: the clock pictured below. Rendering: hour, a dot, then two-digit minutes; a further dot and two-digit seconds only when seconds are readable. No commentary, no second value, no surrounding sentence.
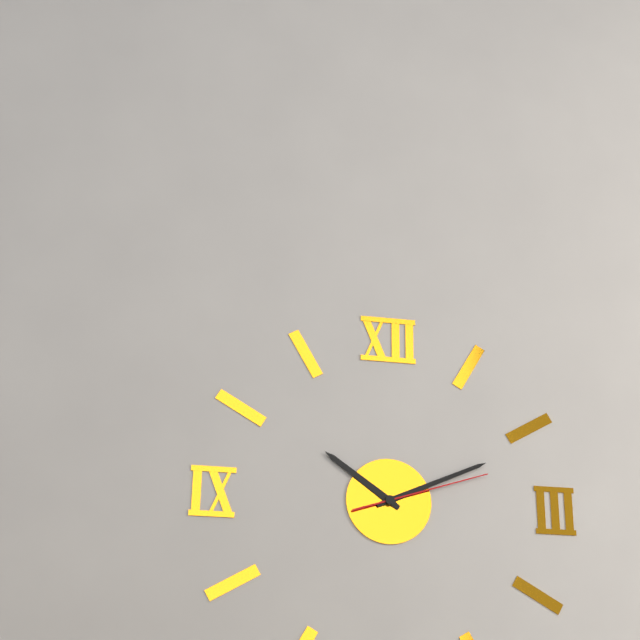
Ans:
10.11.12
